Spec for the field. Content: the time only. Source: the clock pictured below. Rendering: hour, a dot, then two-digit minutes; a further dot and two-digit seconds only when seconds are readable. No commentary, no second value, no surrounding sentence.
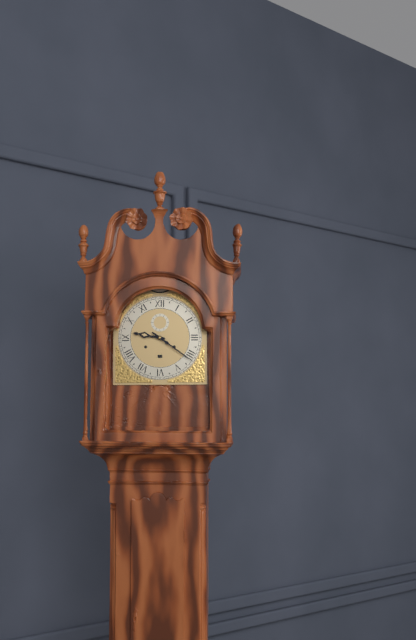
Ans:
9.21
